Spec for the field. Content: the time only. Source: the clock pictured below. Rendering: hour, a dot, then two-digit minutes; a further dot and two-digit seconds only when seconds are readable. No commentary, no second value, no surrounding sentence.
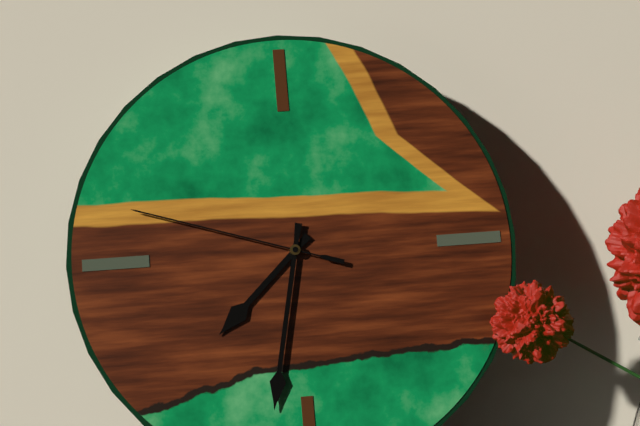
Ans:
7.32.48
